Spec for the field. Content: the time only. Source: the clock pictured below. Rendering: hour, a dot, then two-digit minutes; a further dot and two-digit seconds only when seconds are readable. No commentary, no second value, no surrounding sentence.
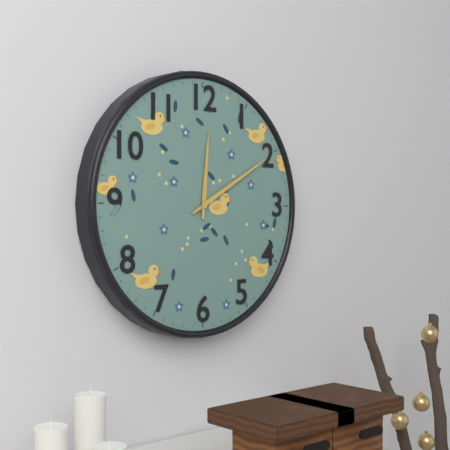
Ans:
12.10
